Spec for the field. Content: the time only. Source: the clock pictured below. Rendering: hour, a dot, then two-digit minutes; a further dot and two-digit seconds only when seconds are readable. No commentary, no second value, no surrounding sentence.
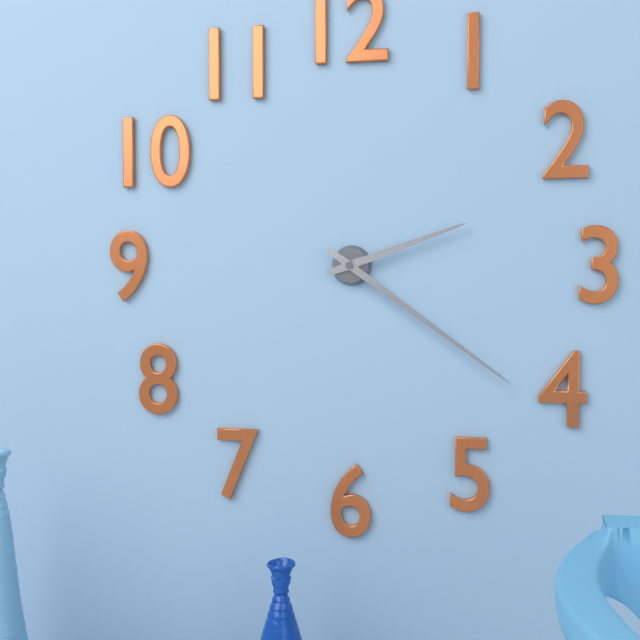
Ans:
2.21
